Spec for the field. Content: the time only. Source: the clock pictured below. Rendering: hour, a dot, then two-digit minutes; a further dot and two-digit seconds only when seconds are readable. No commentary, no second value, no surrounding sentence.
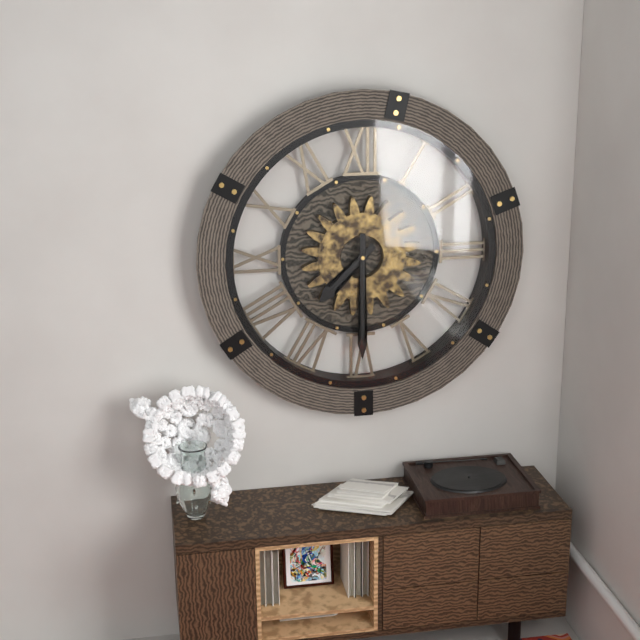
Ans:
7.30
